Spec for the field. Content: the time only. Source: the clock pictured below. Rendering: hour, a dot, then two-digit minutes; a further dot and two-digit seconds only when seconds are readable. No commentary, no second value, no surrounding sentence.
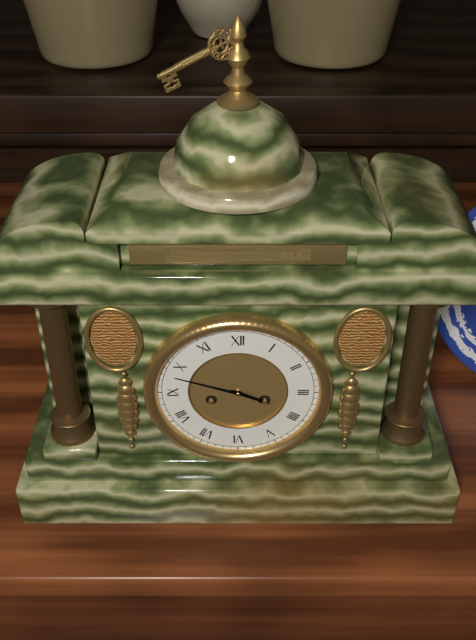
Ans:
3.48
